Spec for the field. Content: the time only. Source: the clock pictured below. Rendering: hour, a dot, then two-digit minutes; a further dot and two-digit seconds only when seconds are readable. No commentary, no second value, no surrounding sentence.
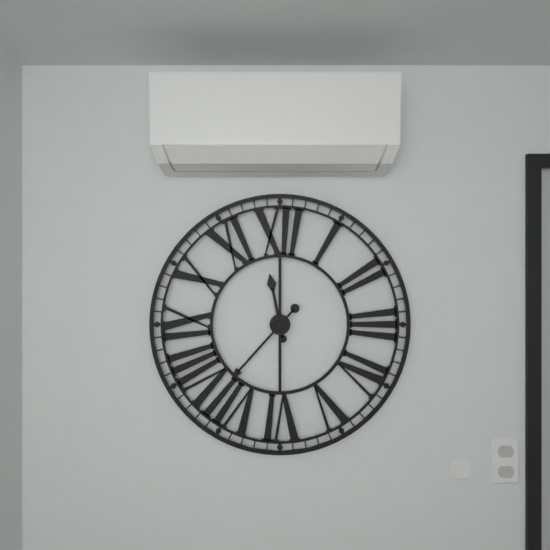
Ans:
11.37
